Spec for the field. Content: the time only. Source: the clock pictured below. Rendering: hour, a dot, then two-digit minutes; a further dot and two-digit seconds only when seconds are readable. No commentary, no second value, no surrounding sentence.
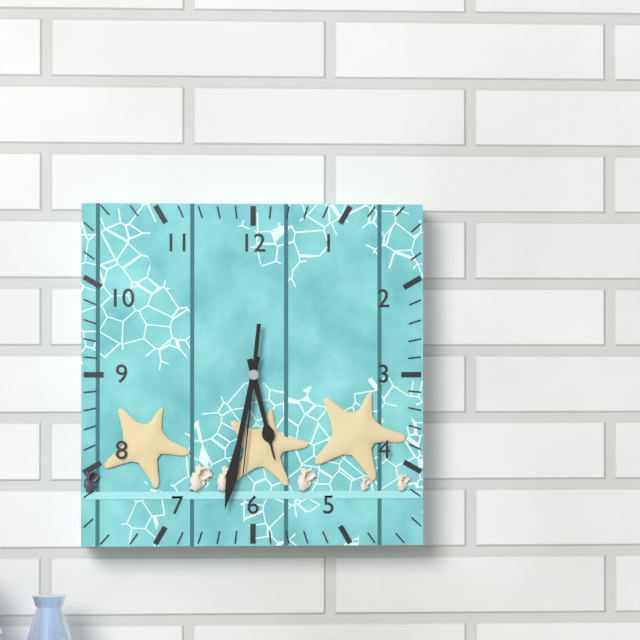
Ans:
5.32.31
